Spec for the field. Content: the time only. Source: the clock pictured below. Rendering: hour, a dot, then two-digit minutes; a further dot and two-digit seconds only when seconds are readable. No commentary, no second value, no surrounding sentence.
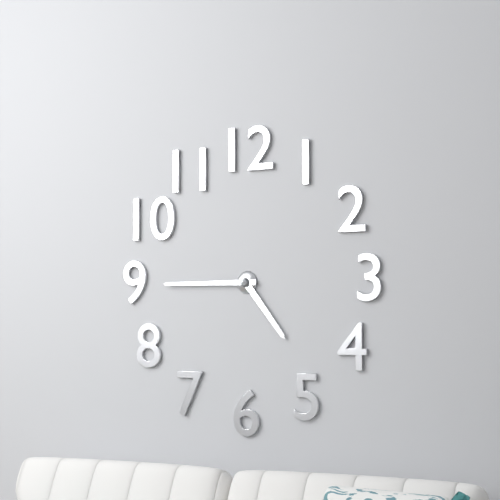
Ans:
4.45
